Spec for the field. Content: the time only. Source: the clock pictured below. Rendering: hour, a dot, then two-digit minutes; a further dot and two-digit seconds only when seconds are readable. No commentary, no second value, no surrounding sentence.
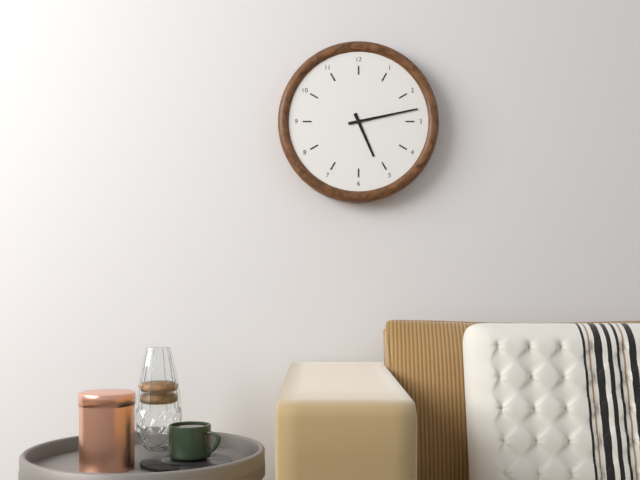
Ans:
5.13
